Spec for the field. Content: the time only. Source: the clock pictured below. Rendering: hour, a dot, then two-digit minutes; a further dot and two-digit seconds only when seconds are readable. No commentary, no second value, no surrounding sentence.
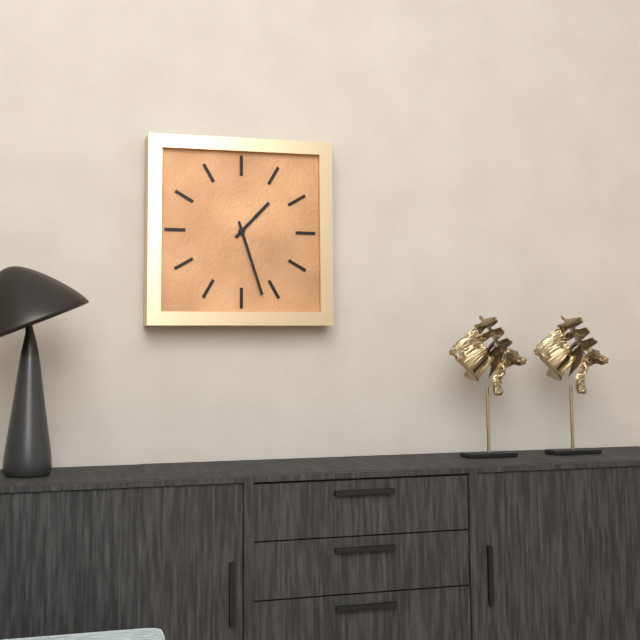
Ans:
1.27
